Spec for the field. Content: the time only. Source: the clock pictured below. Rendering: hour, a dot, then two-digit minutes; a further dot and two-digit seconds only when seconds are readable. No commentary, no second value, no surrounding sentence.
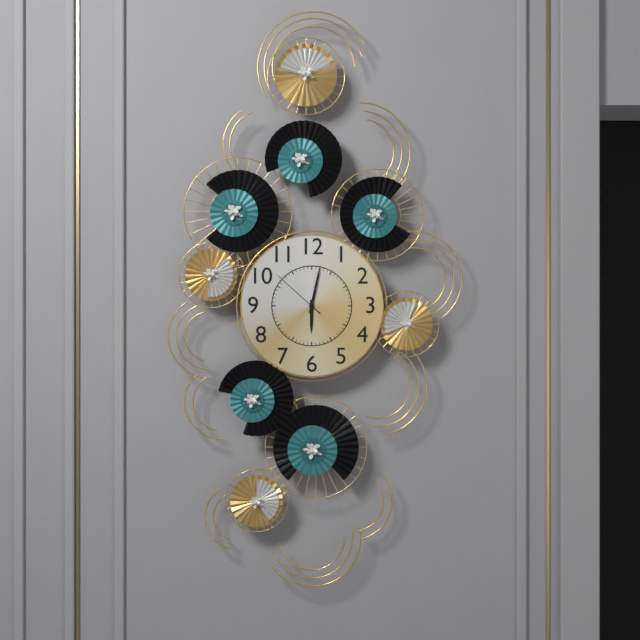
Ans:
6.02.52
